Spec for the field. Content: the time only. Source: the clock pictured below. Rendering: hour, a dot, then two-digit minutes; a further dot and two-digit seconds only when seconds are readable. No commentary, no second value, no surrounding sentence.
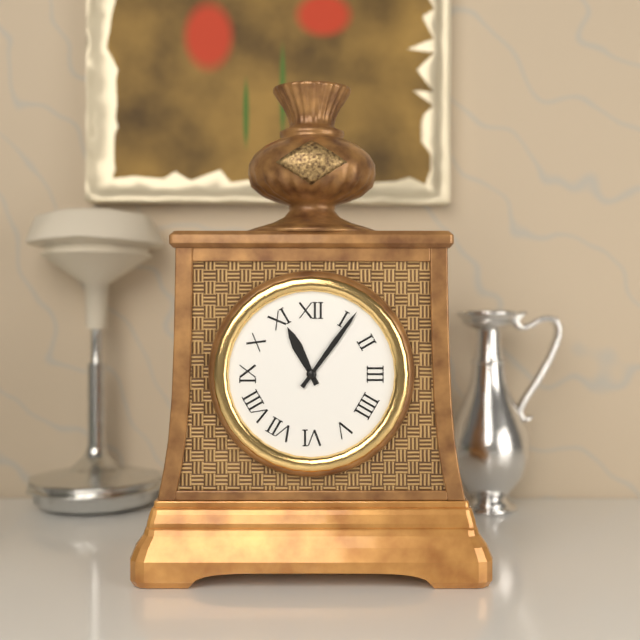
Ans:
11.06
